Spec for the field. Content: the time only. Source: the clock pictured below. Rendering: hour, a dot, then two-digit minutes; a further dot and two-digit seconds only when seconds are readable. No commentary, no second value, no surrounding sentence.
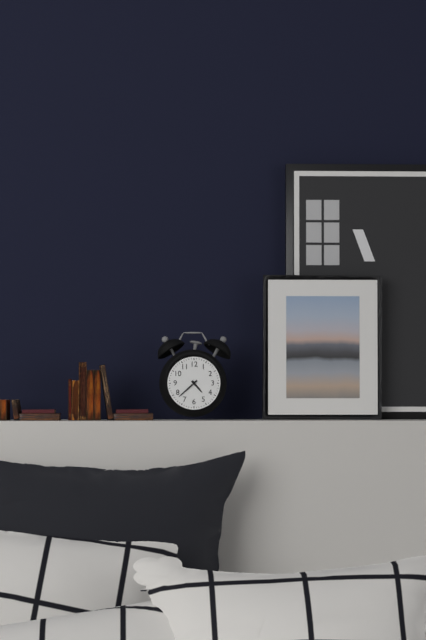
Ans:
4.38
